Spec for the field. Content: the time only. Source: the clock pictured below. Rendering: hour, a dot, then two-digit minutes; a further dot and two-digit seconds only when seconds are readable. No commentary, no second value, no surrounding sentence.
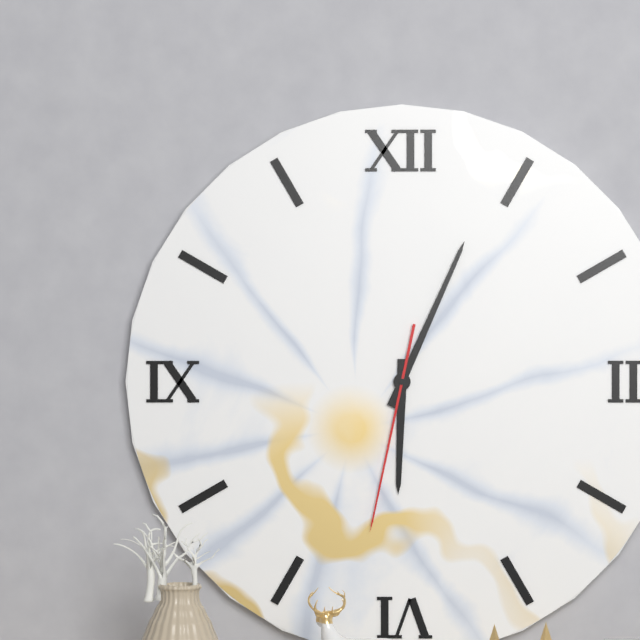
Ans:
6.04.32
